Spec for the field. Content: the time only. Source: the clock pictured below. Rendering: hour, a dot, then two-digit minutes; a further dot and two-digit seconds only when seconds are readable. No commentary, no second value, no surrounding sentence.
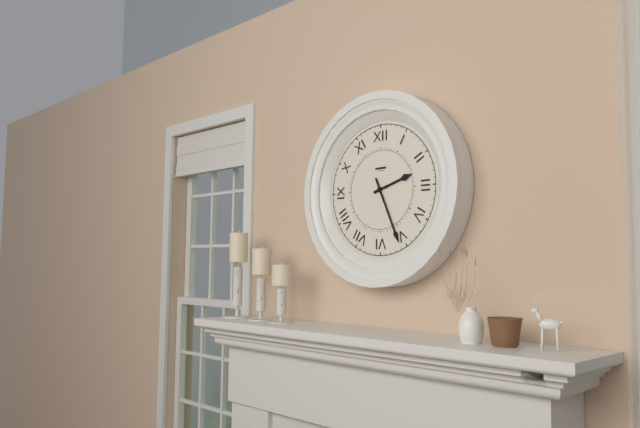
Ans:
2.26
